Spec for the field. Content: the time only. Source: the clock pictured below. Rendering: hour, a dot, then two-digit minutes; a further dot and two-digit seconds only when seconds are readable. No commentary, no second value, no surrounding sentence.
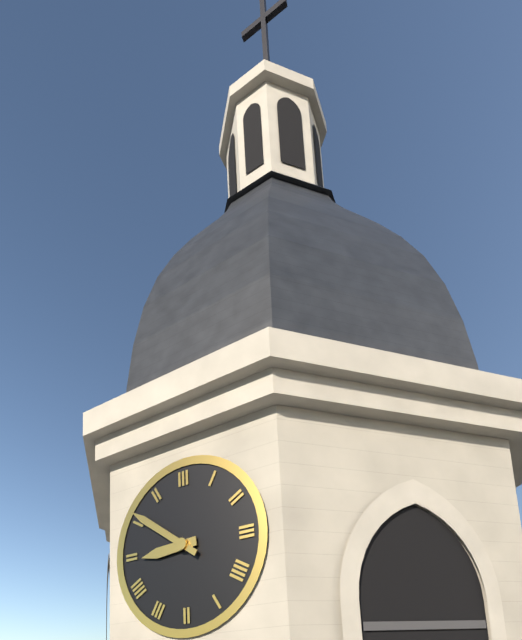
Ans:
8.51
